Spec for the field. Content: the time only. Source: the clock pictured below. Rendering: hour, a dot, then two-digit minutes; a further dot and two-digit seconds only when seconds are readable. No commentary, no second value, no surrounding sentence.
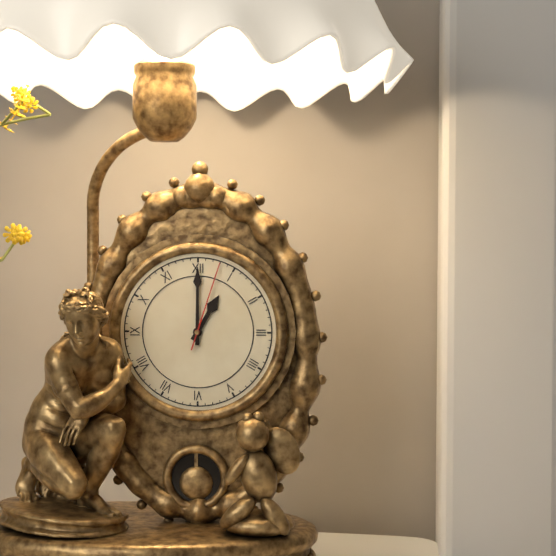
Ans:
1.00.03
